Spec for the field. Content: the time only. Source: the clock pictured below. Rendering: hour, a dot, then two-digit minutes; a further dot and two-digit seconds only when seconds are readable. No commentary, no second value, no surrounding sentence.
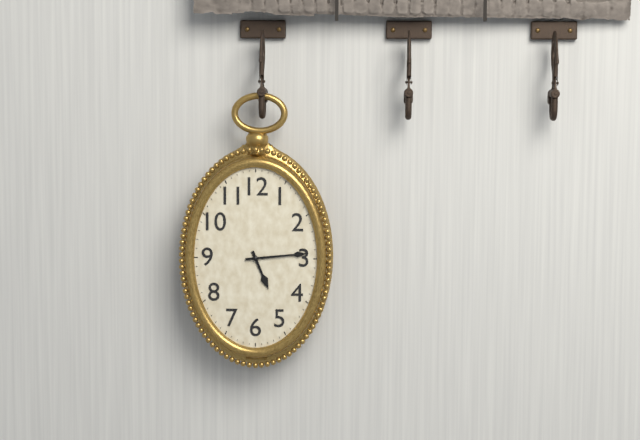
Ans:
5.14
